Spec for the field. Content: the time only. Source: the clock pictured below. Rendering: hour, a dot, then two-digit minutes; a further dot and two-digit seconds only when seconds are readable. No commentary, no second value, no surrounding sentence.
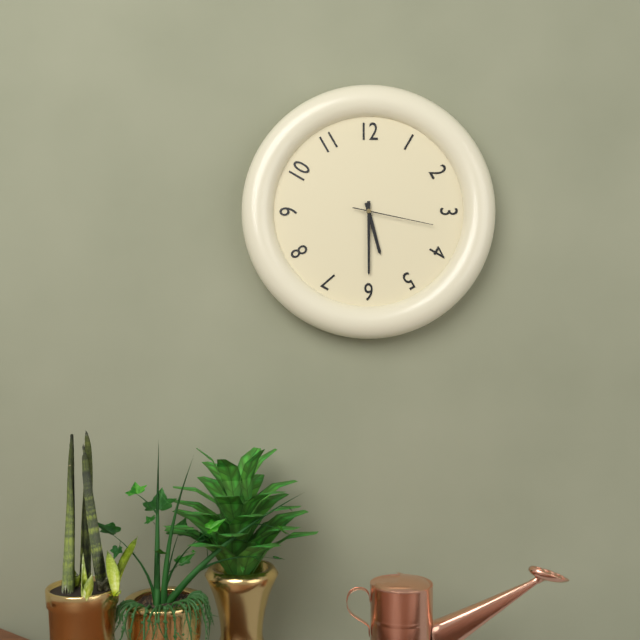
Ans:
5.30.17
